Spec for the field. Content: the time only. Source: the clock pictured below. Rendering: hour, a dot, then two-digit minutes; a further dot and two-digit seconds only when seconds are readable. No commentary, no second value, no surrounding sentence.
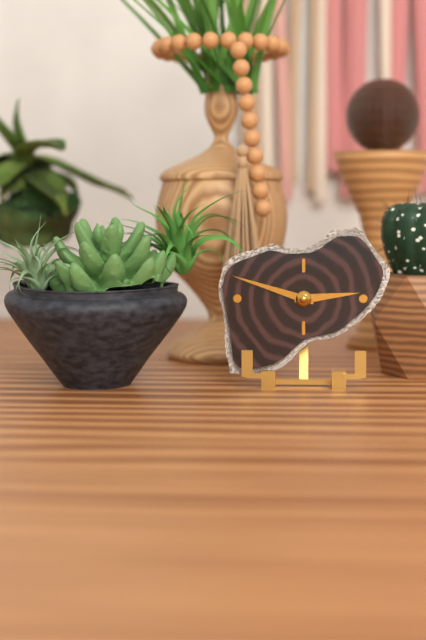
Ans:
2.48
